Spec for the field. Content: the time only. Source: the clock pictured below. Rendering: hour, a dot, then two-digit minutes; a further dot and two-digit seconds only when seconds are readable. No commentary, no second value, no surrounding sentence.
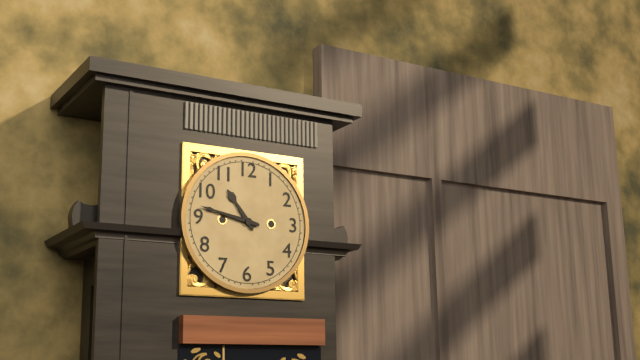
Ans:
10.47
